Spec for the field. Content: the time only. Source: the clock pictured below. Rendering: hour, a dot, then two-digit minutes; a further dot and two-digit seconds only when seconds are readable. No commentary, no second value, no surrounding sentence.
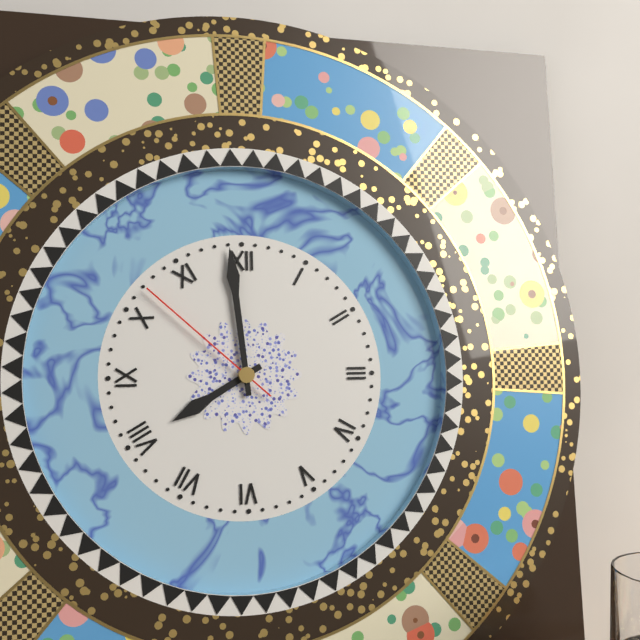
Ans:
7.59.52
